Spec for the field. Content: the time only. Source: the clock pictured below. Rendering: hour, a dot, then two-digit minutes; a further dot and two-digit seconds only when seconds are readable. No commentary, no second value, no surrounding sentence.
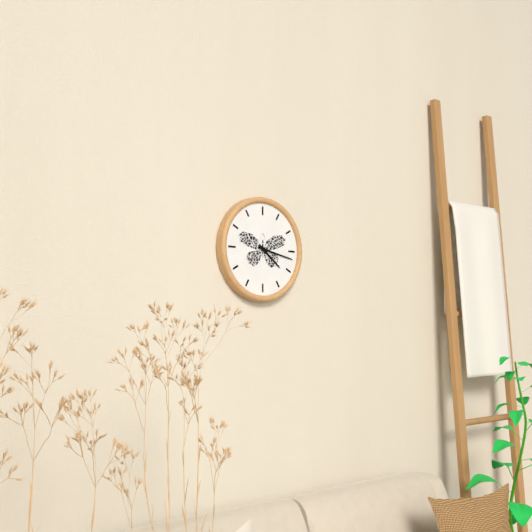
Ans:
4.17
